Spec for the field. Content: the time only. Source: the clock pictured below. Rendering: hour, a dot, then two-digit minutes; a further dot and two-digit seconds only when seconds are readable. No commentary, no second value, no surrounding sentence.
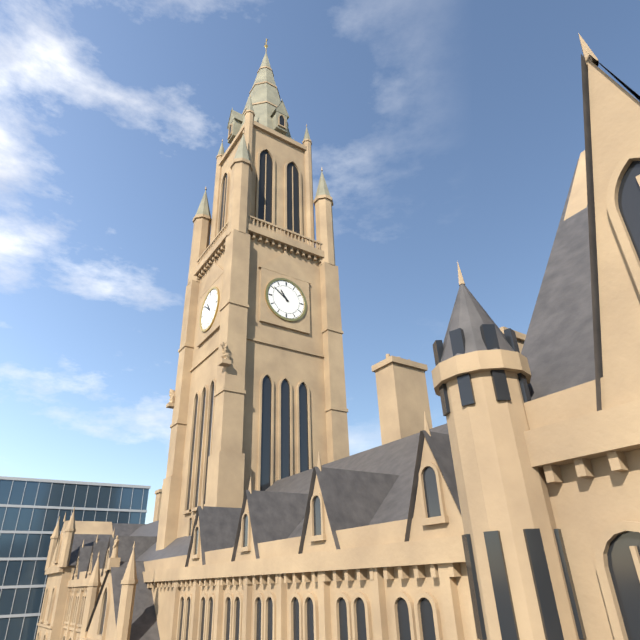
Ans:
10.51
